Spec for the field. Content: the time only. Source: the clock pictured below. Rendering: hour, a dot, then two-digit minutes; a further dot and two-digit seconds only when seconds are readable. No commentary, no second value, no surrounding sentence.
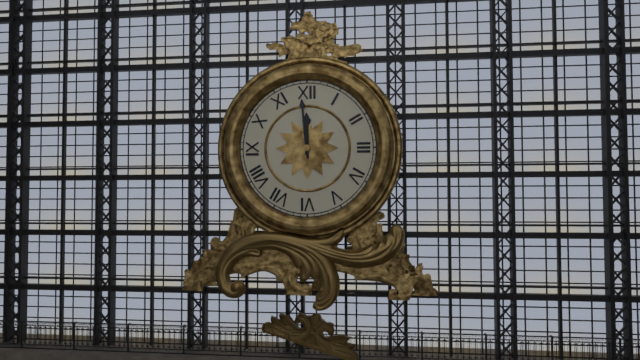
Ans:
11.59
